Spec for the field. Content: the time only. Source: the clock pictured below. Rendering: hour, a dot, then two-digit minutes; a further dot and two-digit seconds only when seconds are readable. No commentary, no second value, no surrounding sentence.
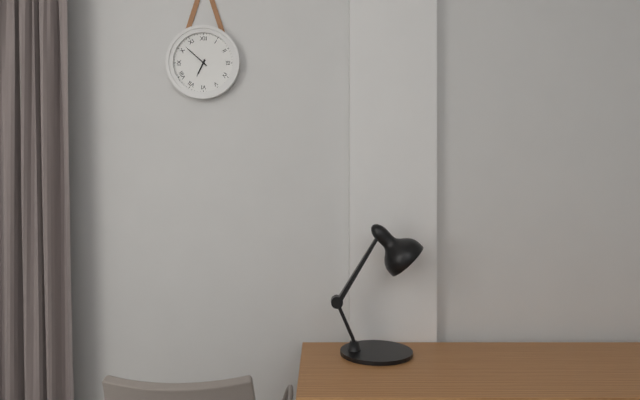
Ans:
6.52
